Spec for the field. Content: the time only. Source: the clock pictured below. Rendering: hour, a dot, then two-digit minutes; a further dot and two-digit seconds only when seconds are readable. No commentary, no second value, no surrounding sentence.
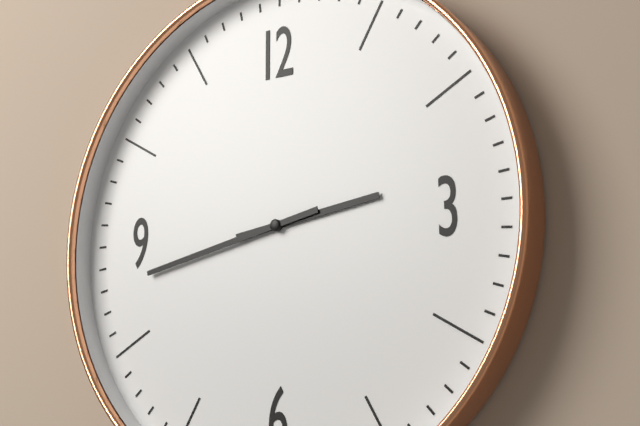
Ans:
2.43
